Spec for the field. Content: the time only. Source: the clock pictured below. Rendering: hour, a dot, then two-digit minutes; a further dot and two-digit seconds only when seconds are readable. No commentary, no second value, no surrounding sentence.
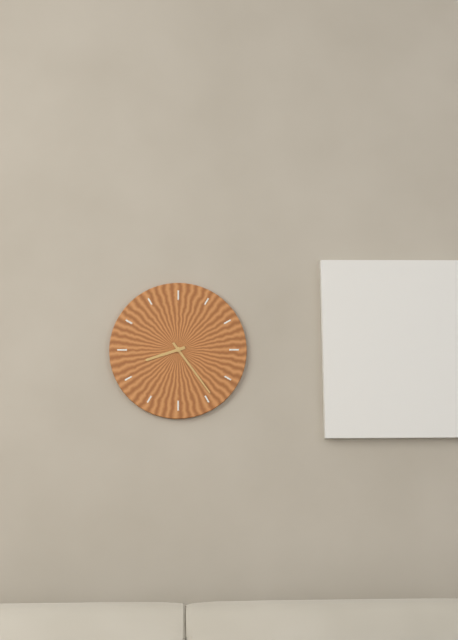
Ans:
8.24
